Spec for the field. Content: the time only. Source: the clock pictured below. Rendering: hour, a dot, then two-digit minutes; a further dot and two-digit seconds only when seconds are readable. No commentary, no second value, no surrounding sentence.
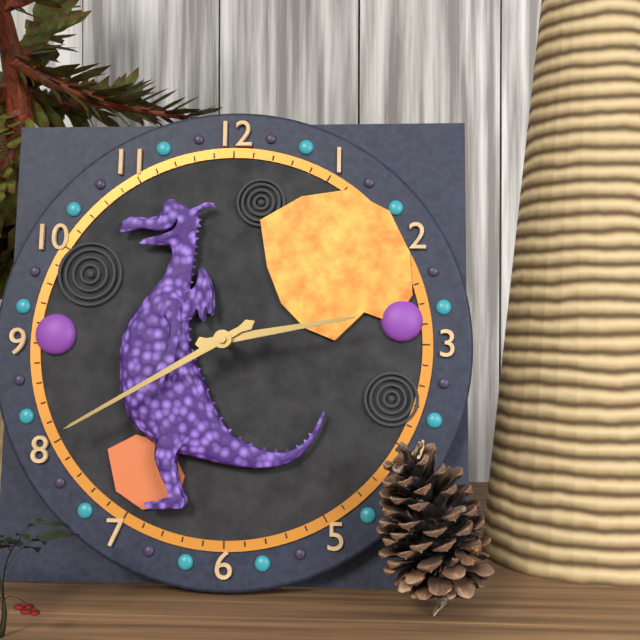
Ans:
2.40
